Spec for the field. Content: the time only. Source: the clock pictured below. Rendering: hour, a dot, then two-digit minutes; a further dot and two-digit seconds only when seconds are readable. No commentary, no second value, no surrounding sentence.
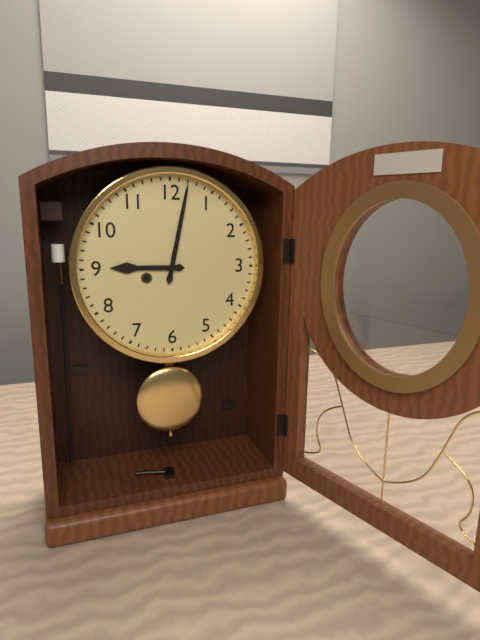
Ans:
9.02
